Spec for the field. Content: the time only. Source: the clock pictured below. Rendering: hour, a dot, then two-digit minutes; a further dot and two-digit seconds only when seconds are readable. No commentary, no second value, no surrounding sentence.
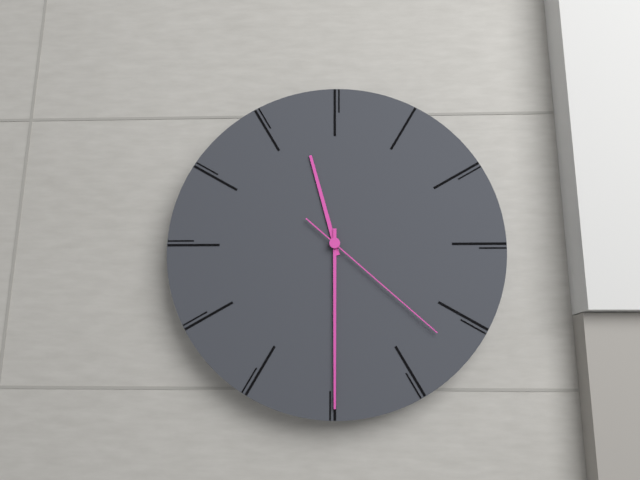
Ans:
11.30.22
